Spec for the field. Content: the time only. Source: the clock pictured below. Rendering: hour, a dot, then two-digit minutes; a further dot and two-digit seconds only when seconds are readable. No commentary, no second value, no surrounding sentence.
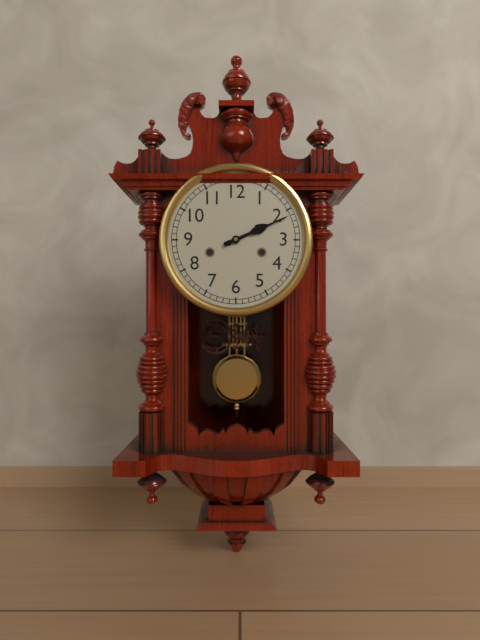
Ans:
2.11
